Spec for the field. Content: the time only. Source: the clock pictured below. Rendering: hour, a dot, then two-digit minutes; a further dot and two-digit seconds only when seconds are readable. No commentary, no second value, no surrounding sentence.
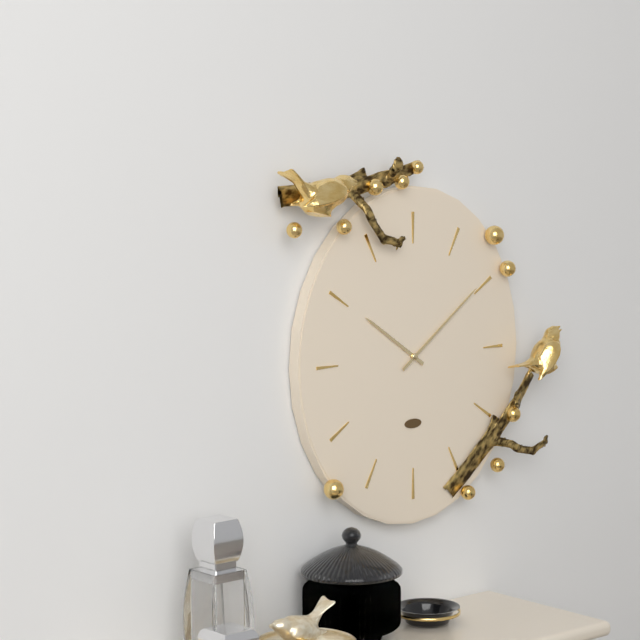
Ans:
10.09
